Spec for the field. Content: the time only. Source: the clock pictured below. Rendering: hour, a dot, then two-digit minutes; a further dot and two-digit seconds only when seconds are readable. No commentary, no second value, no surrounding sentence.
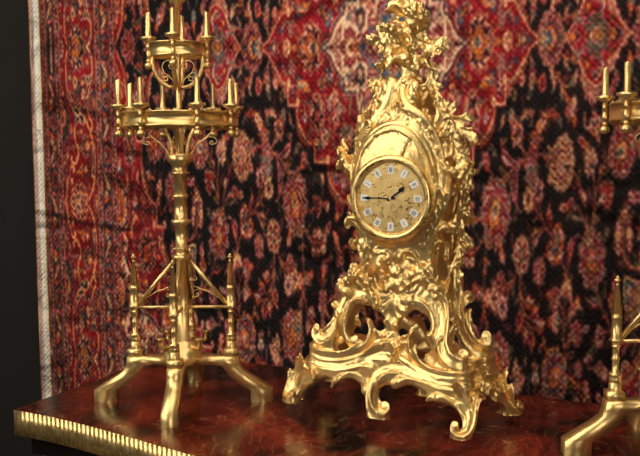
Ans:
1.45
